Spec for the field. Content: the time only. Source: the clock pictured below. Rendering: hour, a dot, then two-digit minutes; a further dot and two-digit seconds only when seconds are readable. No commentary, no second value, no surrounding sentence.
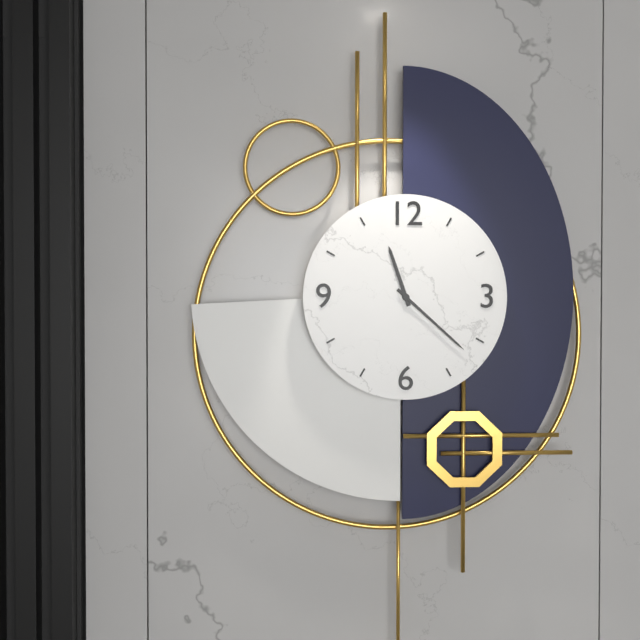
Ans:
11.22
